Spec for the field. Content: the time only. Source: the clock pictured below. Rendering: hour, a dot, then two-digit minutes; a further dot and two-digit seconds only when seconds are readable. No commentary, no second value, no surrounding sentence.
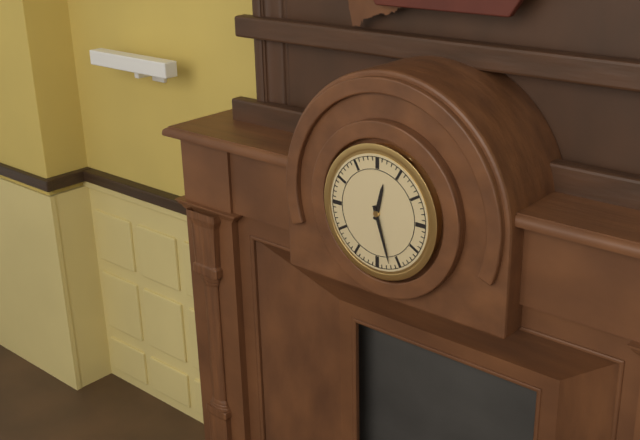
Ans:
12.27
